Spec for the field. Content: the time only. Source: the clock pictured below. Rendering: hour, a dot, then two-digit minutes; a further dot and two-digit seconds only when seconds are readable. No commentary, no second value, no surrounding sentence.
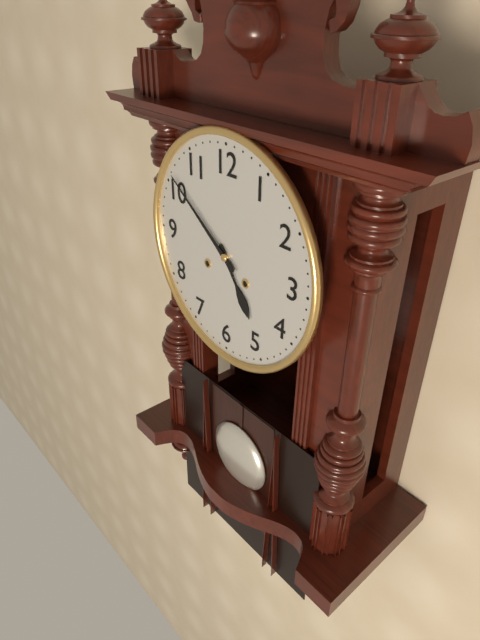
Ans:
4.51
